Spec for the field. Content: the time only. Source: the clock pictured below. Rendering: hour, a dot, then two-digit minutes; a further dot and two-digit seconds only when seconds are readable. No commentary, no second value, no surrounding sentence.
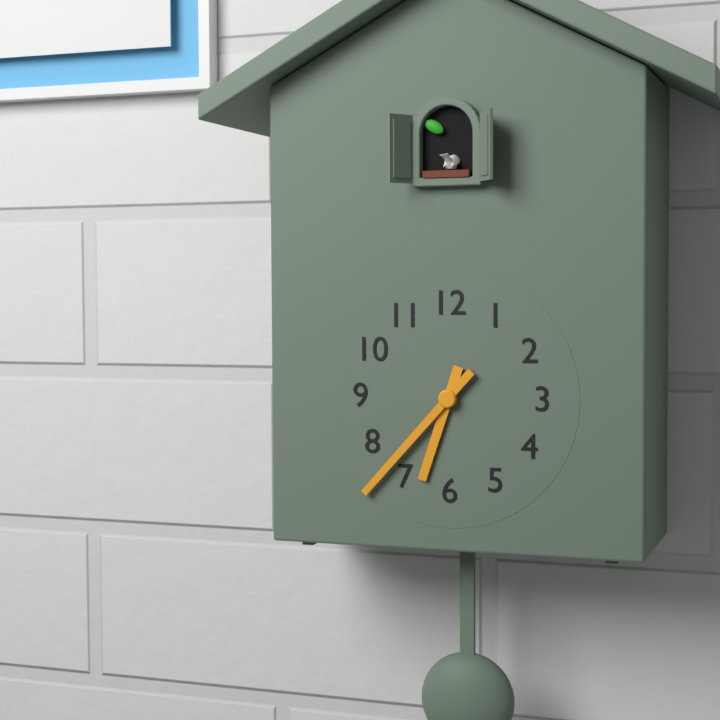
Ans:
6.37
